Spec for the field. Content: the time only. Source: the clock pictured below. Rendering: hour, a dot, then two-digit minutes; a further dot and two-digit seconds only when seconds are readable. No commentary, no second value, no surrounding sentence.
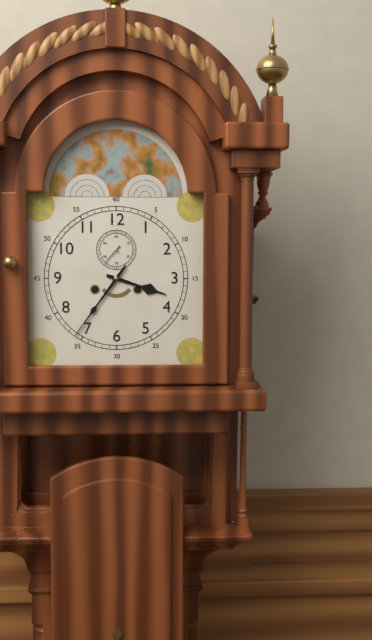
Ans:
3.36
